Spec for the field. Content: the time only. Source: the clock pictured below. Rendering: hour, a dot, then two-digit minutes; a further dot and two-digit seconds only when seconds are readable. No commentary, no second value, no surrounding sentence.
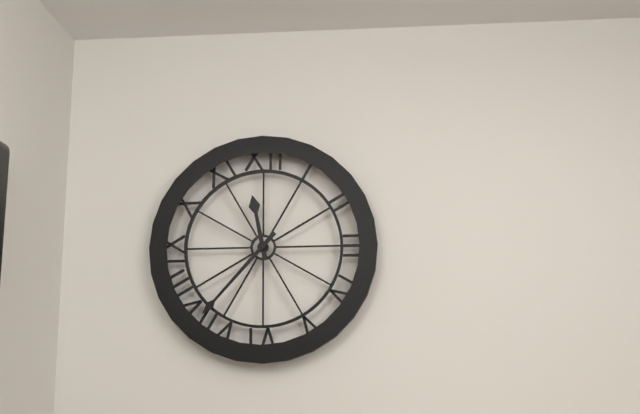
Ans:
11.37
